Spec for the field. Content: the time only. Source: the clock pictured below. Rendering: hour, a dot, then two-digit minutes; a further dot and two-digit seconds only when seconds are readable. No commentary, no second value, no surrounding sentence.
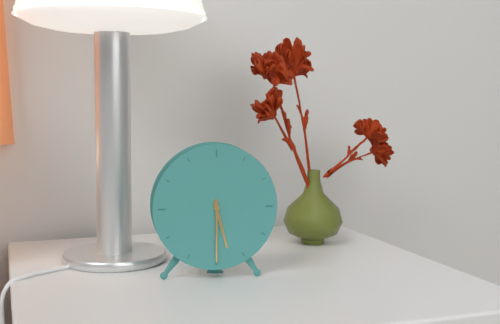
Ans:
5.30
